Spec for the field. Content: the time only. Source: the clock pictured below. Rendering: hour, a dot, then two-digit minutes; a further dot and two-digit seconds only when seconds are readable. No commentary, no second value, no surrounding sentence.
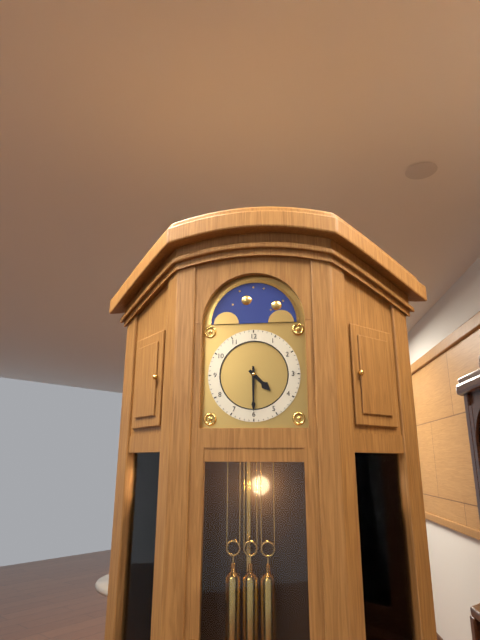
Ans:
4.30
